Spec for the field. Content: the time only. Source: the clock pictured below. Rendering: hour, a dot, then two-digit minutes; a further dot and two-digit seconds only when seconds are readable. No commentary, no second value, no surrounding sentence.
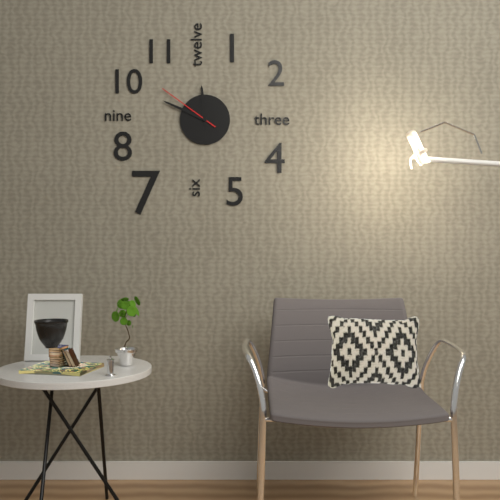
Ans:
11.49.51
